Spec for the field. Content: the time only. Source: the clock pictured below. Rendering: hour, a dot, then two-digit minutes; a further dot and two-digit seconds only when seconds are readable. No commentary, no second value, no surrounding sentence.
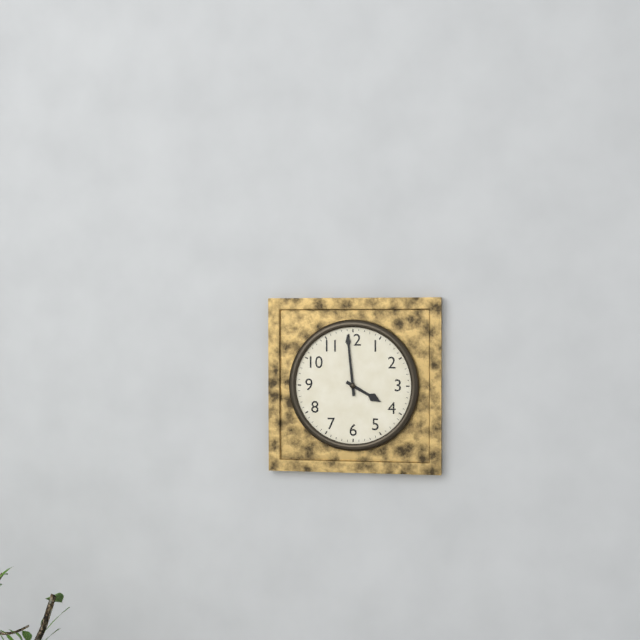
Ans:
3.59
